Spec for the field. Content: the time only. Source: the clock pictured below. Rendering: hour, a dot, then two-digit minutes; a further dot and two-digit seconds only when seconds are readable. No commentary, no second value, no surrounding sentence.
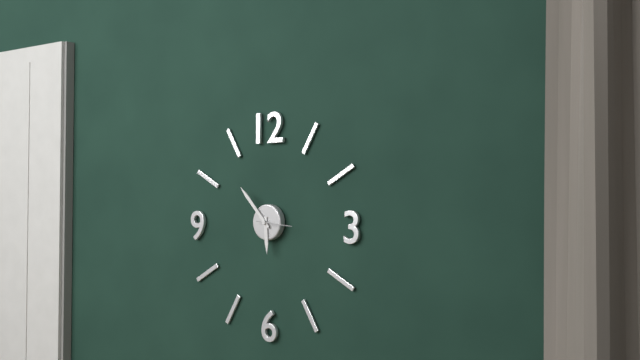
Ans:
5.53
